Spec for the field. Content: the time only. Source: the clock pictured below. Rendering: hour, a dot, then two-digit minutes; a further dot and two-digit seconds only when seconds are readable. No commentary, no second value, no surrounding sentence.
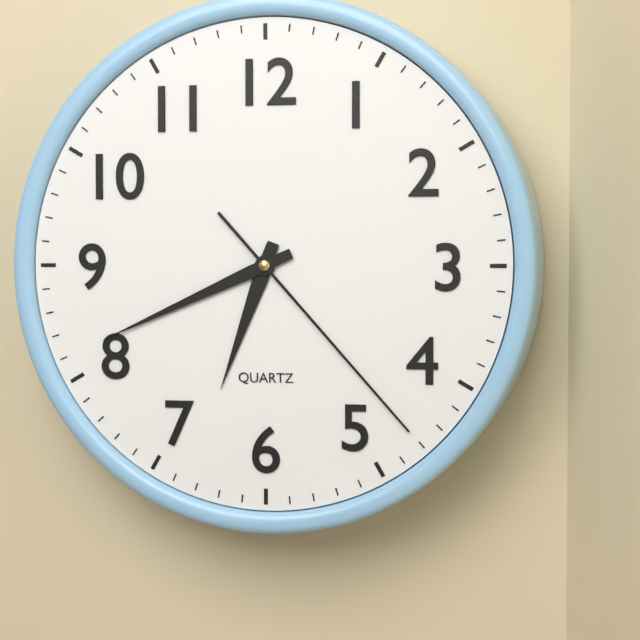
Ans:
6.41.23
